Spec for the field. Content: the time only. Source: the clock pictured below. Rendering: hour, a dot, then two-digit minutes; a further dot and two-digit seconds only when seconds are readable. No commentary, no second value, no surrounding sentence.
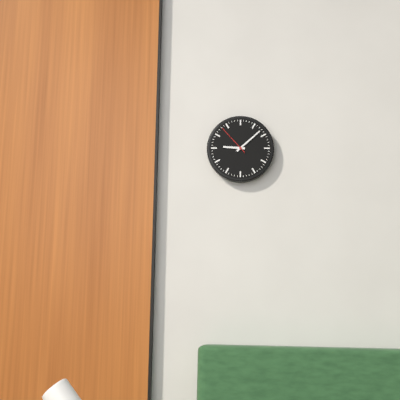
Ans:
9.08
